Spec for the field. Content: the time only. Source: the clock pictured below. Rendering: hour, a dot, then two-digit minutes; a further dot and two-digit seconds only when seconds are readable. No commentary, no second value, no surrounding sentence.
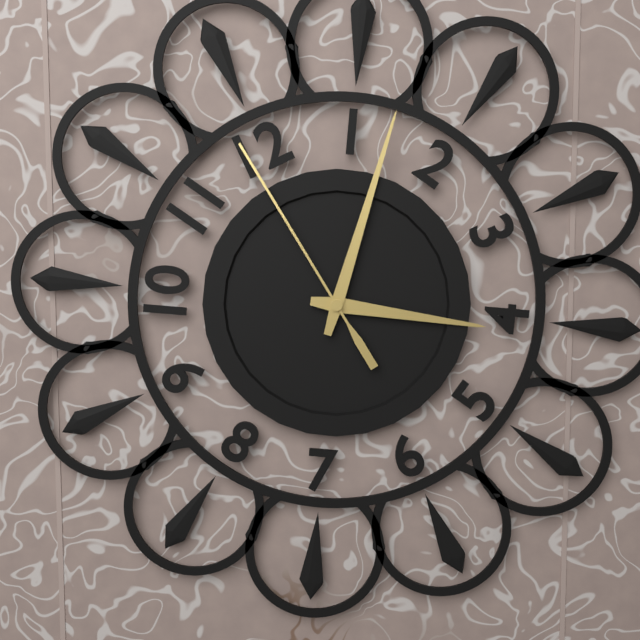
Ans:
4.07.59
